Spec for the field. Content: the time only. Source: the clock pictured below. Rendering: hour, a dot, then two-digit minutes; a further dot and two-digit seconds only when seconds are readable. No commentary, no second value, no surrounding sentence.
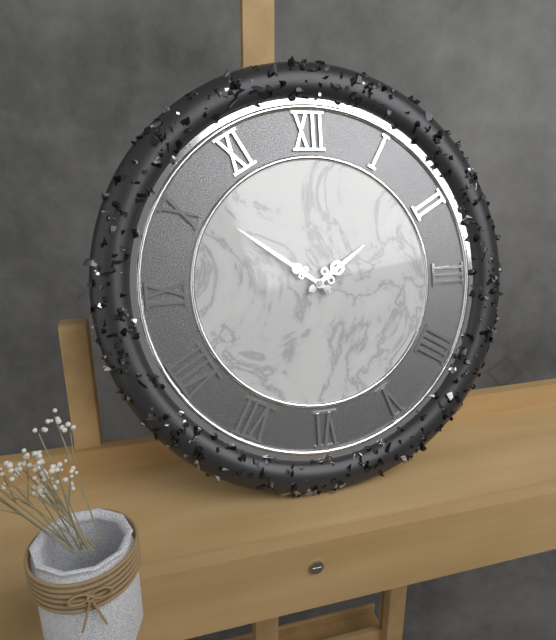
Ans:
1.51
